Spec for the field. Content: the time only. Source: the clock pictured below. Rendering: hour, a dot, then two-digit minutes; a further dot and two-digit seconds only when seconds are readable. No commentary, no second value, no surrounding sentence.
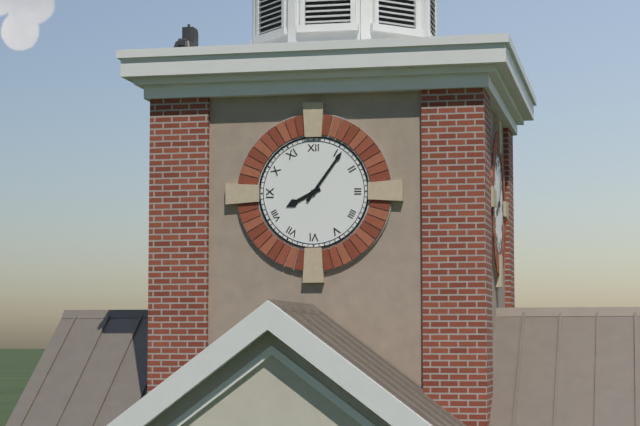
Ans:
8.06
